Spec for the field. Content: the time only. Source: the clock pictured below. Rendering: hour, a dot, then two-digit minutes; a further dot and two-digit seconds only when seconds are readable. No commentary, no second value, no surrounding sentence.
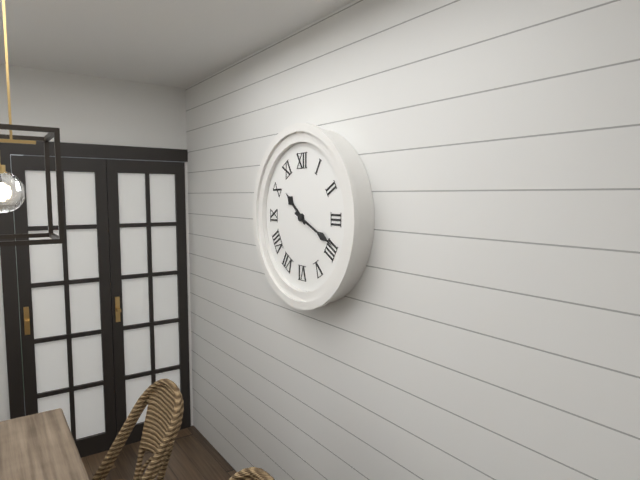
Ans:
10.19
